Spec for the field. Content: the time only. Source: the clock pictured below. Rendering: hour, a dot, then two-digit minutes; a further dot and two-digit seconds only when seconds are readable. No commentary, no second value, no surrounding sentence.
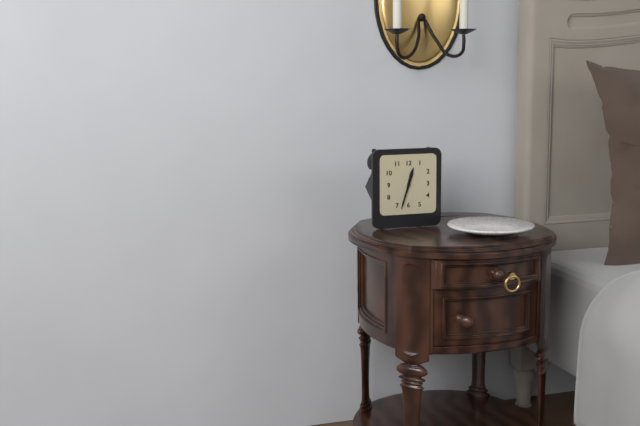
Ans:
12.33
